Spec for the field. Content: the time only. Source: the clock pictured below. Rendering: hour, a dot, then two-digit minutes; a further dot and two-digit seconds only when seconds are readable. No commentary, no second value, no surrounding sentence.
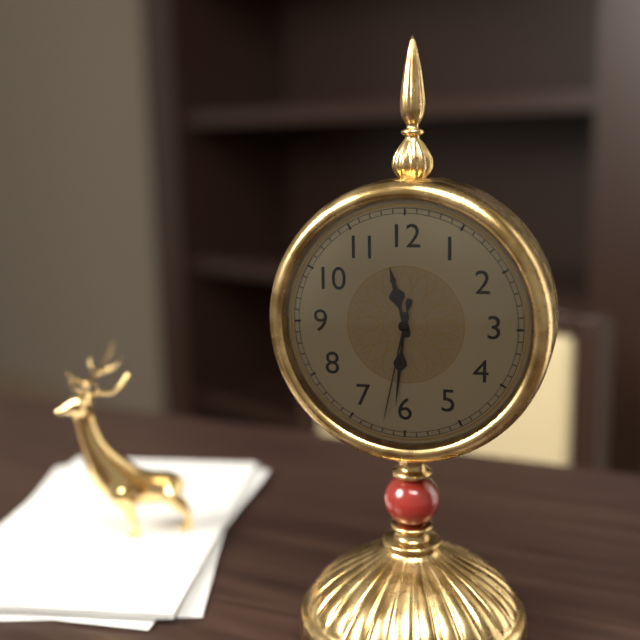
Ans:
11.31.32
